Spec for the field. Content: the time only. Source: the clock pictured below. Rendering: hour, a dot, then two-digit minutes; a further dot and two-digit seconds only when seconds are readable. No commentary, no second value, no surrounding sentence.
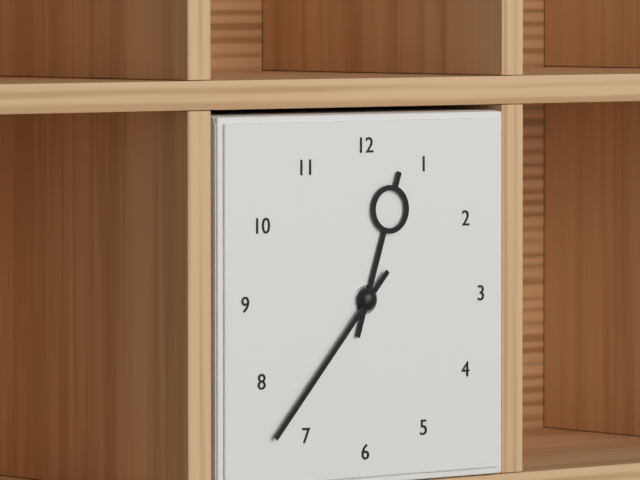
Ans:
12.37
